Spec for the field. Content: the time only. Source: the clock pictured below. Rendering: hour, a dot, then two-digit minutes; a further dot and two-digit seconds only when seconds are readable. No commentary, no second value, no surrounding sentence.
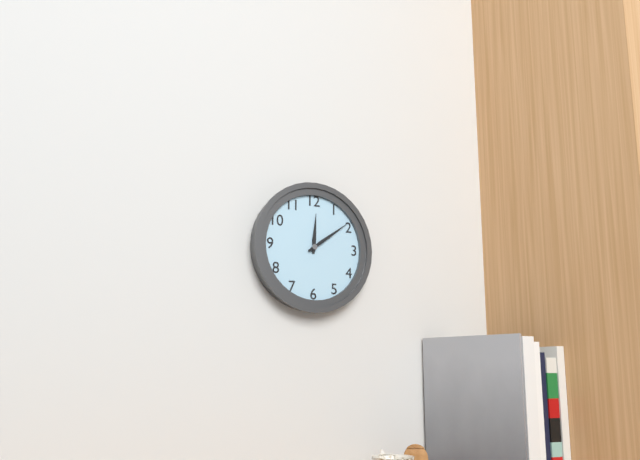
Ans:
12.09
